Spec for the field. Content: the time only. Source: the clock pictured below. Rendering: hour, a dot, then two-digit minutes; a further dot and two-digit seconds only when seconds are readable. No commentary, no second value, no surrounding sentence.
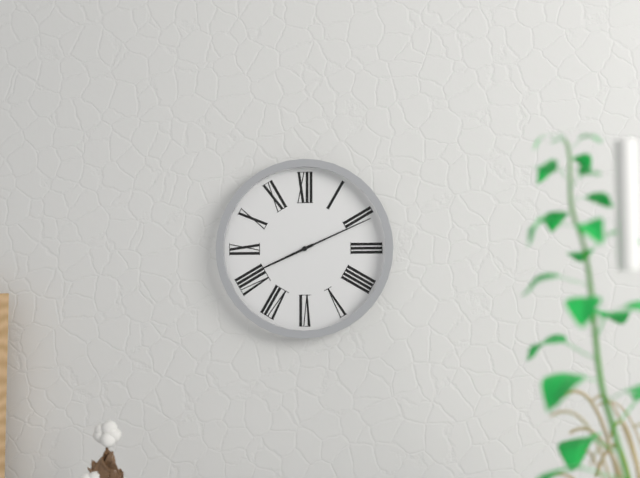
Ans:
8.11
